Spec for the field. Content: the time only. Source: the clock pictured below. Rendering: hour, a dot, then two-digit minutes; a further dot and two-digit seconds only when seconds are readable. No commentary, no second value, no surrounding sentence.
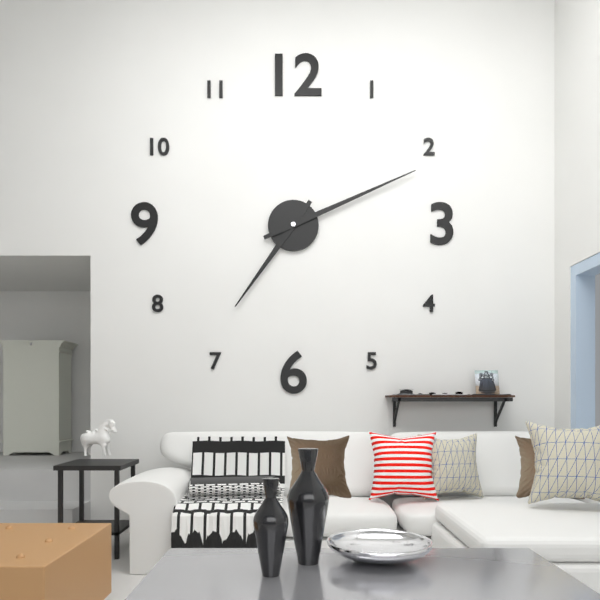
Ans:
7.11
